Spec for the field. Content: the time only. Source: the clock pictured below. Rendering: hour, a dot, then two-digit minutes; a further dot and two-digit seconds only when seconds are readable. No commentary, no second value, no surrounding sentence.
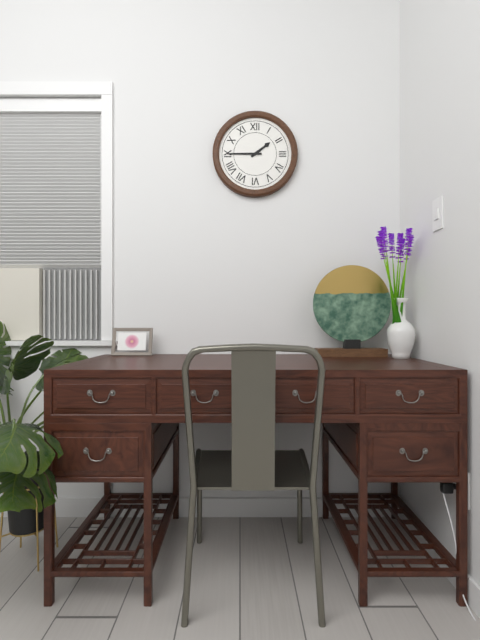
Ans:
1.45
